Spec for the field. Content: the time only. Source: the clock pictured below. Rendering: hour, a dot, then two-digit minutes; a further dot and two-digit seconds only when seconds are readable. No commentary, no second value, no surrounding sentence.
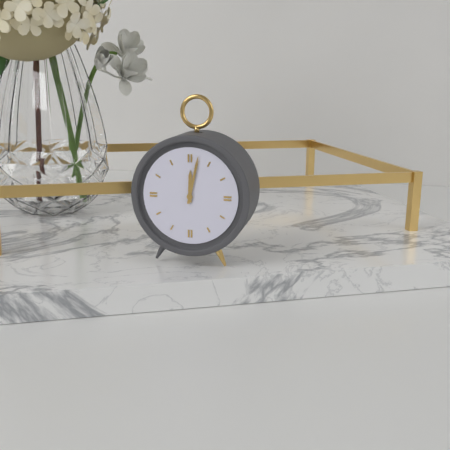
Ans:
12.02
